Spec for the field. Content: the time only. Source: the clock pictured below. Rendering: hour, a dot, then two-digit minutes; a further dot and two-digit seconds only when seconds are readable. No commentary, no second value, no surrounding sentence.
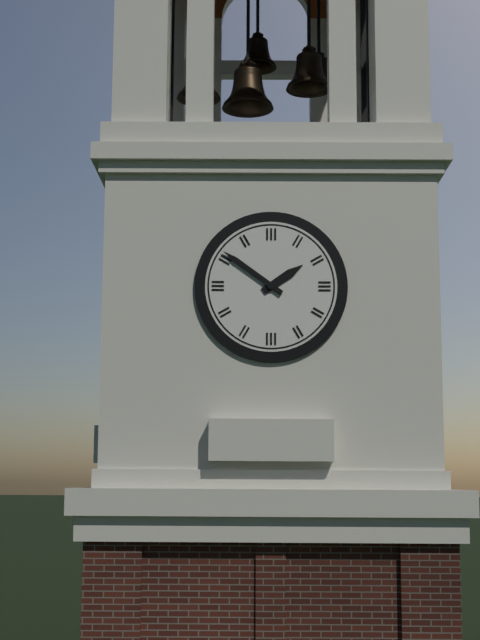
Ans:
1.51
